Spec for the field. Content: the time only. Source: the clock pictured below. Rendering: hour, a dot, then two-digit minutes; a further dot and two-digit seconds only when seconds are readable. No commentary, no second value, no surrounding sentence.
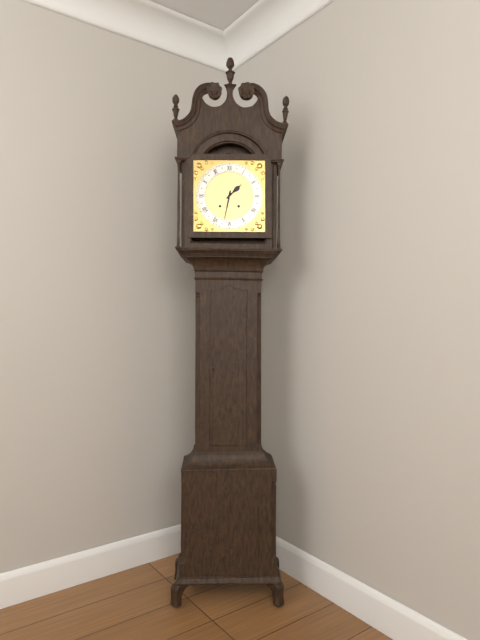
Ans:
1.32
